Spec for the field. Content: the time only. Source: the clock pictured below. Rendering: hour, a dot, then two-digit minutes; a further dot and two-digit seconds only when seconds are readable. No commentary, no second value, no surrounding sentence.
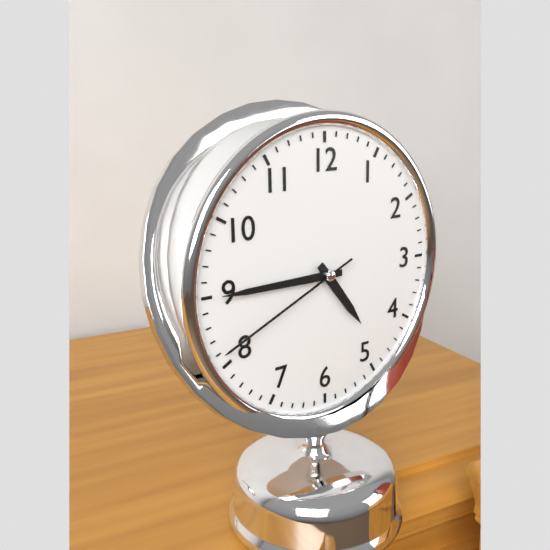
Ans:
4.45.41
